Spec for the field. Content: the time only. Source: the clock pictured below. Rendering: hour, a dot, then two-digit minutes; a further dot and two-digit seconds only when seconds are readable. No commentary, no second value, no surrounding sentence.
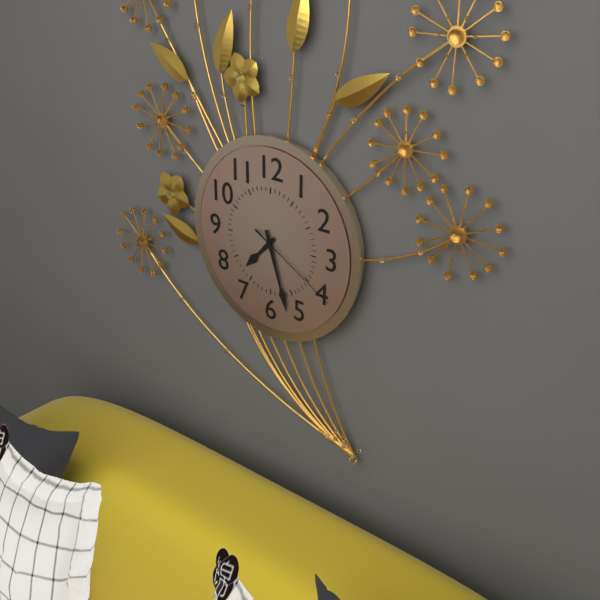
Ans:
7.27.20
